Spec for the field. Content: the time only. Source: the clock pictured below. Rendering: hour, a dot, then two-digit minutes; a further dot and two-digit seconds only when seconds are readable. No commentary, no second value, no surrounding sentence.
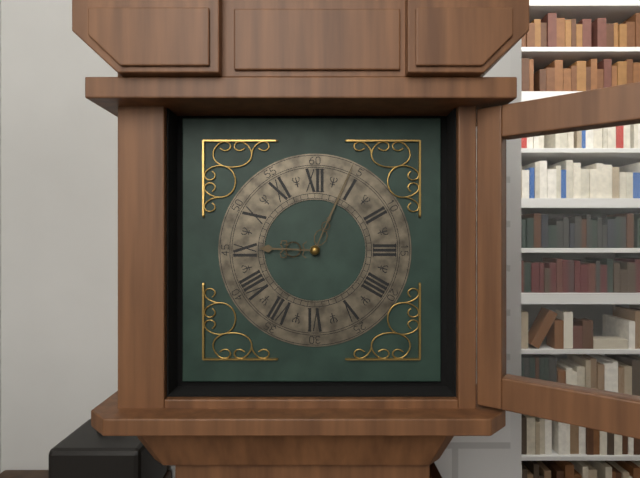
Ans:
9.04
